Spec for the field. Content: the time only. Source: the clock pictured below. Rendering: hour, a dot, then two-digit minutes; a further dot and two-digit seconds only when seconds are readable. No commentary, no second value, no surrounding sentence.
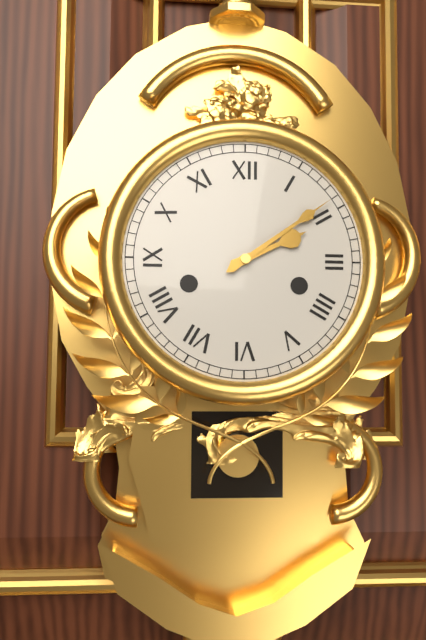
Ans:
2.09
